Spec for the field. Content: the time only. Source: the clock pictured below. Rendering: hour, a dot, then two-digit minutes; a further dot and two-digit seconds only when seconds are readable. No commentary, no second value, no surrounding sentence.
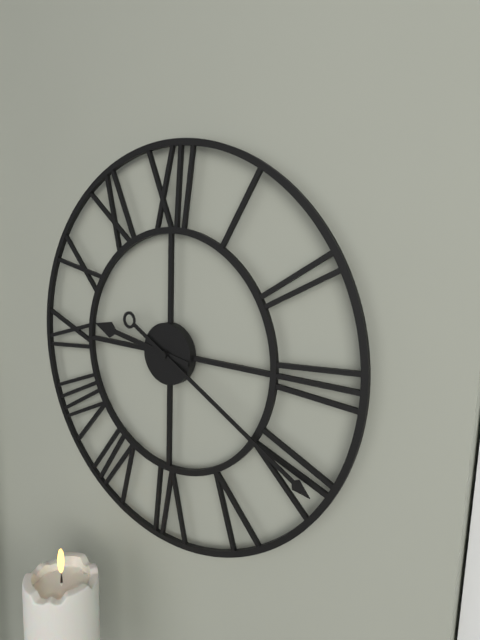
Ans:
9.20
